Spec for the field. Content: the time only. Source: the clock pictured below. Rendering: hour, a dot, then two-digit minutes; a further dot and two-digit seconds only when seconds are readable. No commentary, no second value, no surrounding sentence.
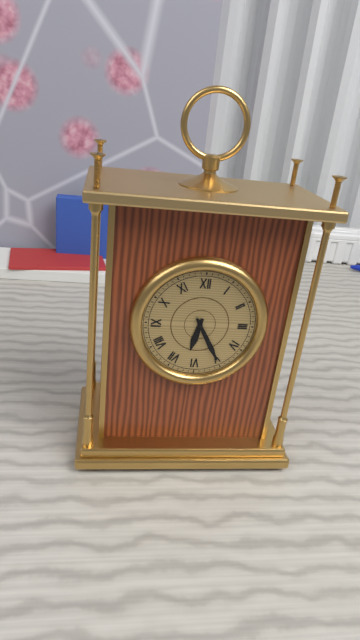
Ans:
6.25
